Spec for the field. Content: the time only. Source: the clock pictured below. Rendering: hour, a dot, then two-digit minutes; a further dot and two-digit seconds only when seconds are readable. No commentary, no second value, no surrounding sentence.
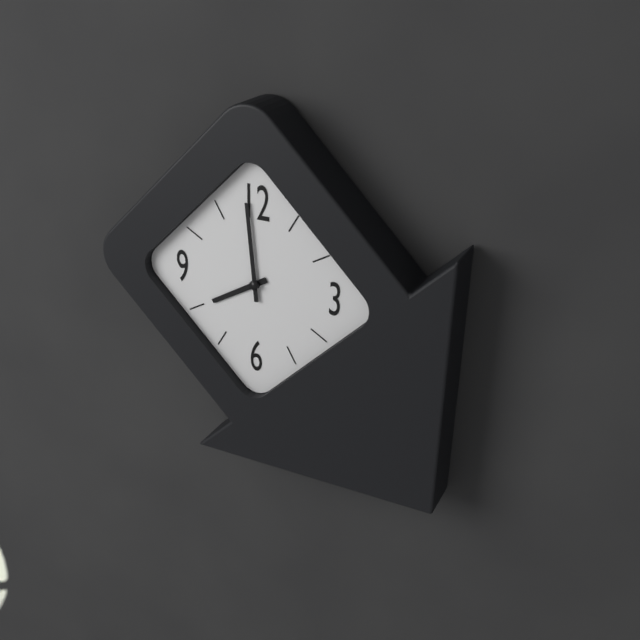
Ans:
7.59
